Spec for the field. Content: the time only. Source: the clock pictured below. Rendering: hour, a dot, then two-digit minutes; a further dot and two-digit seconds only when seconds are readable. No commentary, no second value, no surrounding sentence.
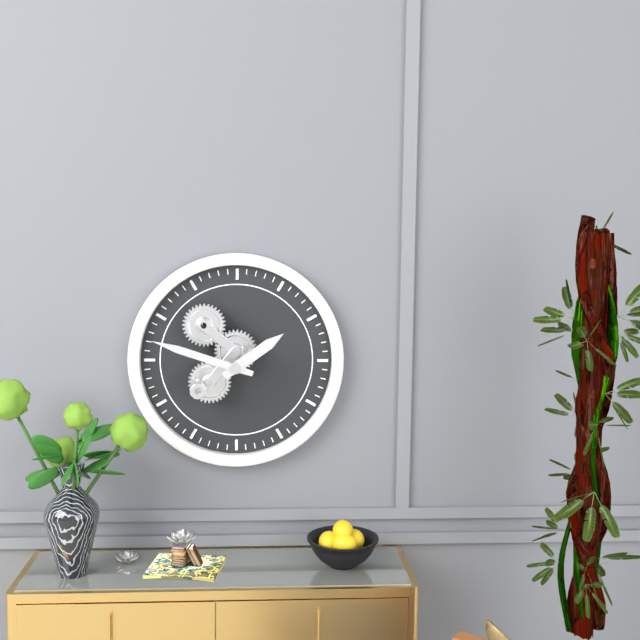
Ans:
1.48
